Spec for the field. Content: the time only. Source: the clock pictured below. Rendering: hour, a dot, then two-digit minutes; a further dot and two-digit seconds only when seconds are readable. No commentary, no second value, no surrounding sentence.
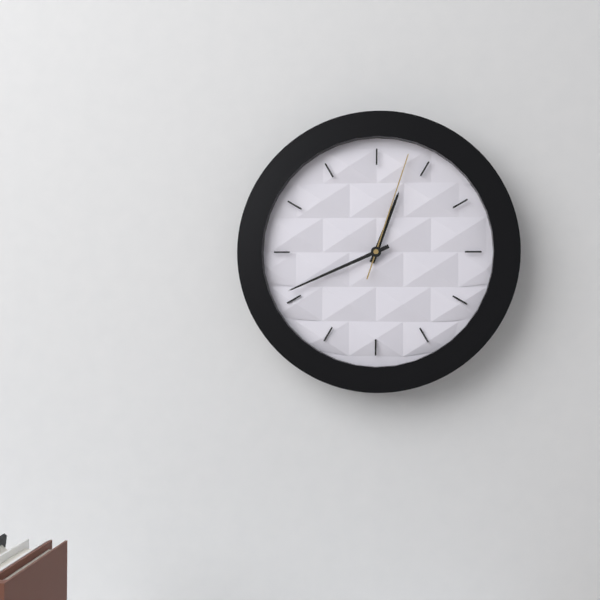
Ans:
12.41.03
